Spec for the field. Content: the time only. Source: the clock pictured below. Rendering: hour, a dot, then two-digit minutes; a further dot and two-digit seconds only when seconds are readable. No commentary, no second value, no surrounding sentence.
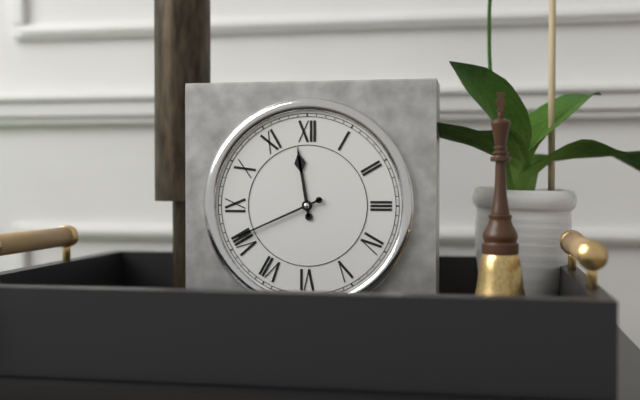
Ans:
11.41
